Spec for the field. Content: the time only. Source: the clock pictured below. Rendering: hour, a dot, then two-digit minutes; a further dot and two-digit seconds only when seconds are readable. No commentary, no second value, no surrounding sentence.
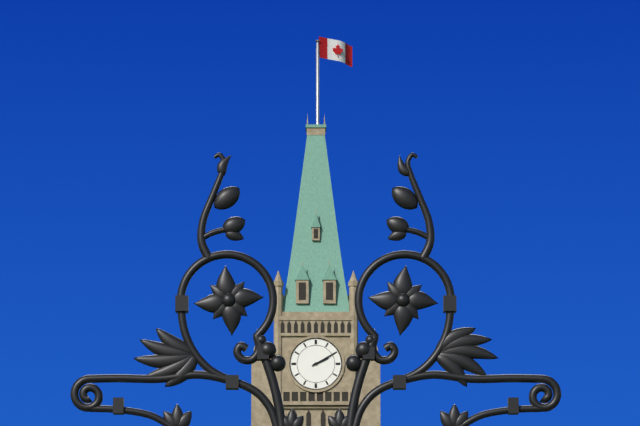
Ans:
2.10
